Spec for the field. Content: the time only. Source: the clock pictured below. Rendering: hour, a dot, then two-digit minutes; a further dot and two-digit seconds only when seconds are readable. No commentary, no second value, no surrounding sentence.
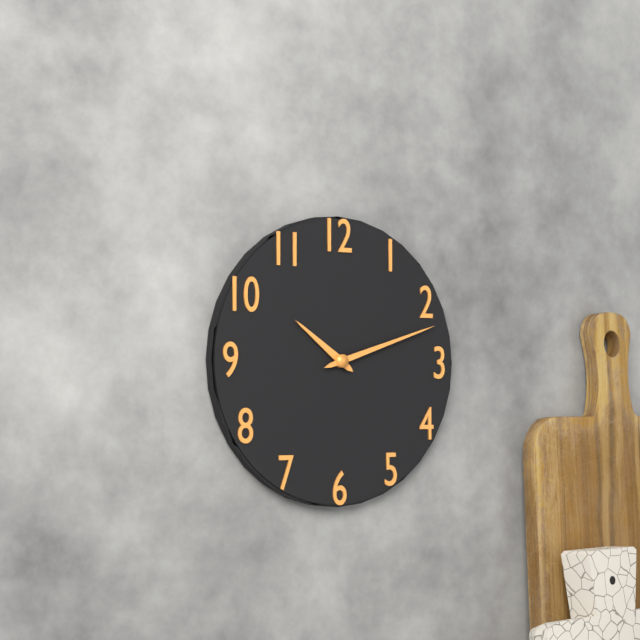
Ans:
10.12
